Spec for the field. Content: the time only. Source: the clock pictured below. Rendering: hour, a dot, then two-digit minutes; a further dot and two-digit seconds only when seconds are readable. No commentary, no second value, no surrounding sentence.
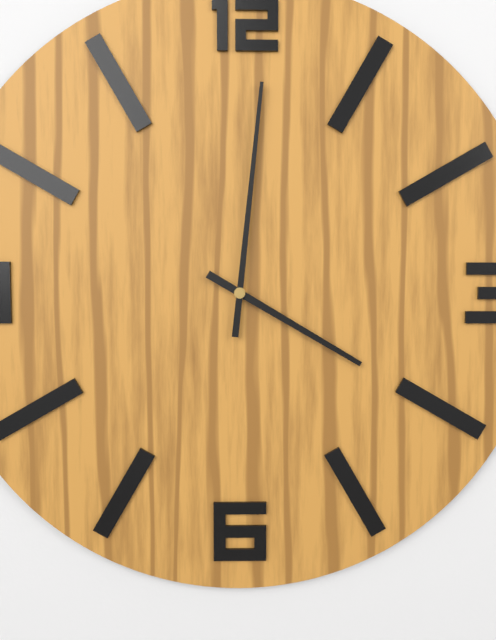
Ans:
4.01
